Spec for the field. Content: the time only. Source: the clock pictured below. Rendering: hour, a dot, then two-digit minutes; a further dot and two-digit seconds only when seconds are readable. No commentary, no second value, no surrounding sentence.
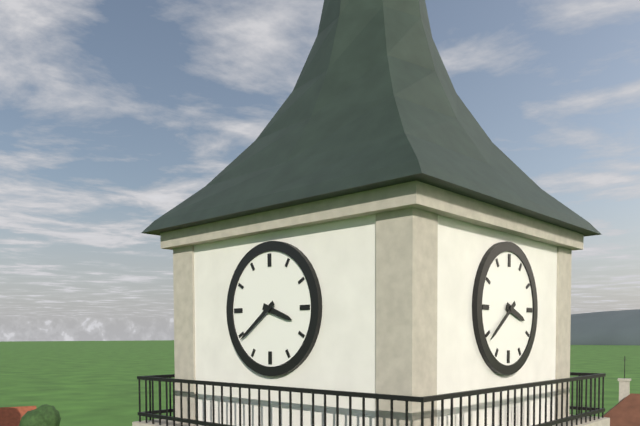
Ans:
3.39
